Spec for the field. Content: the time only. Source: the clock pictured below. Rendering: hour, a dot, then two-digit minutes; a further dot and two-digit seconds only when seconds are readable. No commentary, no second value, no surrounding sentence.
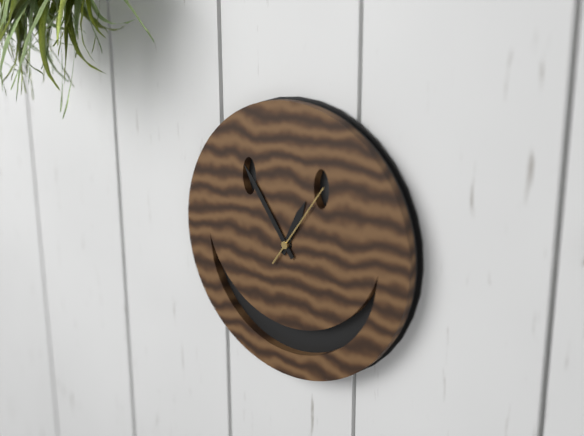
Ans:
12.54.06
